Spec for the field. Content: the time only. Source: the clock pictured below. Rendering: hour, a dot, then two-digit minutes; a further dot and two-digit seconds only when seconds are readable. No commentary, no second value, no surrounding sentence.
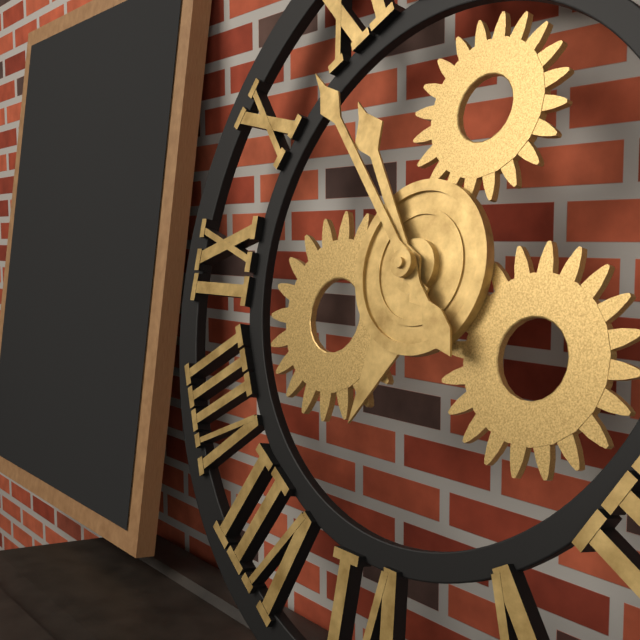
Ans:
10.53
